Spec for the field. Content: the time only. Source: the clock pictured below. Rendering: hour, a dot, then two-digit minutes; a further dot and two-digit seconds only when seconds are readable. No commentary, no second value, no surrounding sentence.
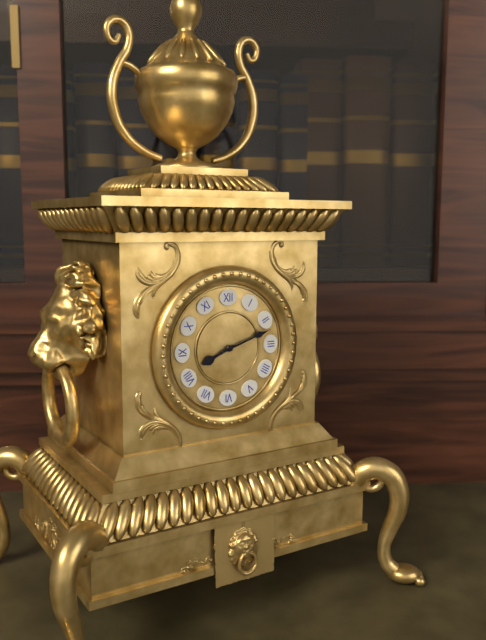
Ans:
8.12
